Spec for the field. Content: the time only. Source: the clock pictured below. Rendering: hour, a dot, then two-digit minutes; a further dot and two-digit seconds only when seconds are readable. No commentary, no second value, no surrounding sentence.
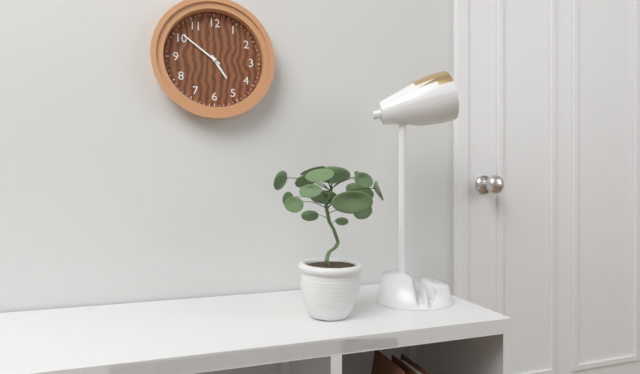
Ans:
4.51
